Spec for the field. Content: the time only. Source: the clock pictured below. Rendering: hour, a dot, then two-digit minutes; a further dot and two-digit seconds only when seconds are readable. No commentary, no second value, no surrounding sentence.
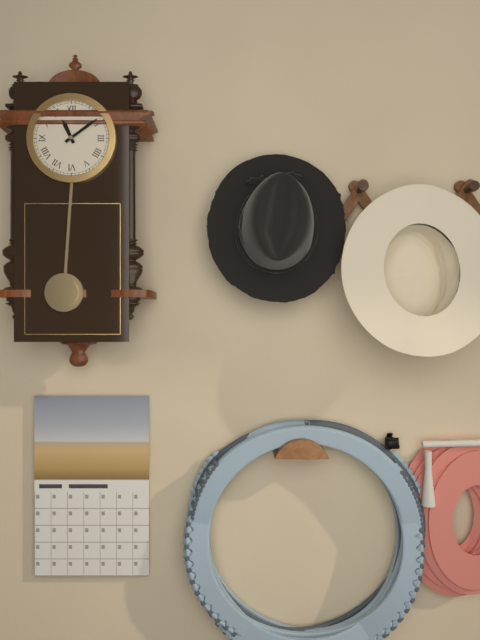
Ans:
11.09
